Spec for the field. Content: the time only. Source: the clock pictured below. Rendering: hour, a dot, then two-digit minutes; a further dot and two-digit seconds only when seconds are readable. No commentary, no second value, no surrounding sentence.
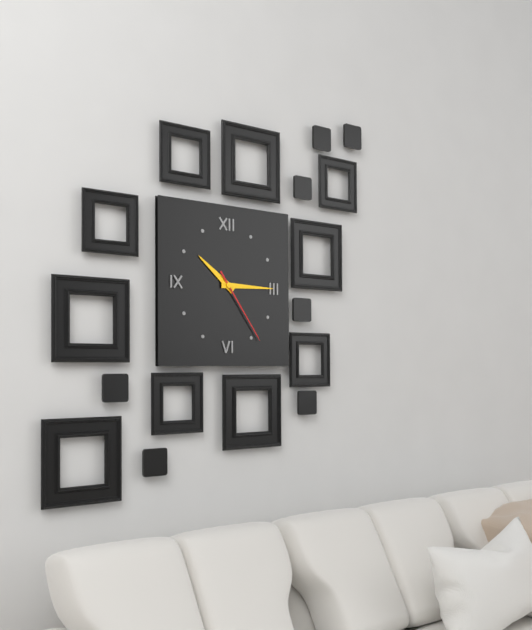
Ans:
10.15.24
